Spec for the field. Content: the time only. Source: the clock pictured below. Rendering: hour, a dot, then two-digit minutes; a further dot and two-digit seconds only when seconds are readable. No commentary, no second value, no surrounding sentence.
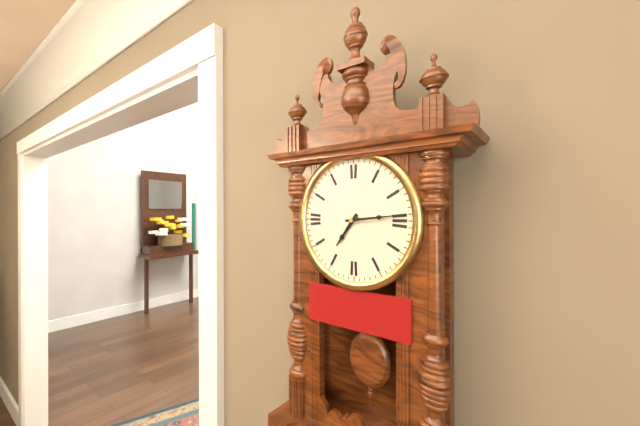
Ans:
7.14
